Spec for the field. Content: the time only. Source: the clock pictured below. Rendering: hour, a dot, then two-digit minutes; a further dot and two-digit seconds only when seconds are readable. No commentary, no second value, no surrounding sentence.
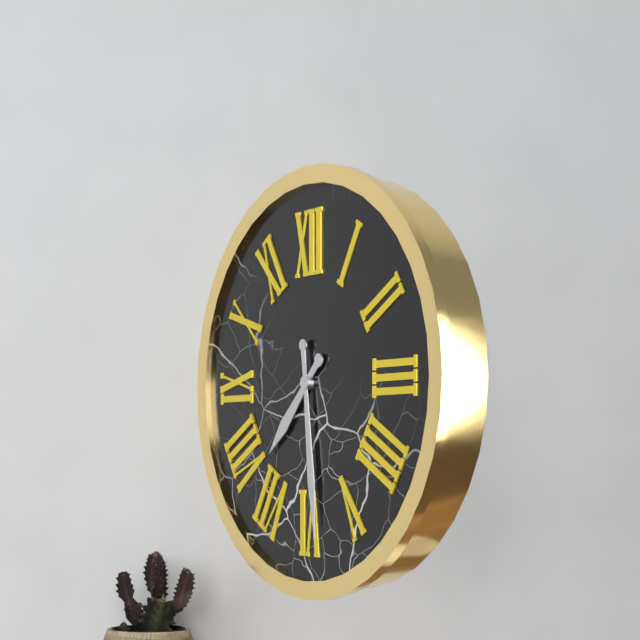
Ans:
7.29
